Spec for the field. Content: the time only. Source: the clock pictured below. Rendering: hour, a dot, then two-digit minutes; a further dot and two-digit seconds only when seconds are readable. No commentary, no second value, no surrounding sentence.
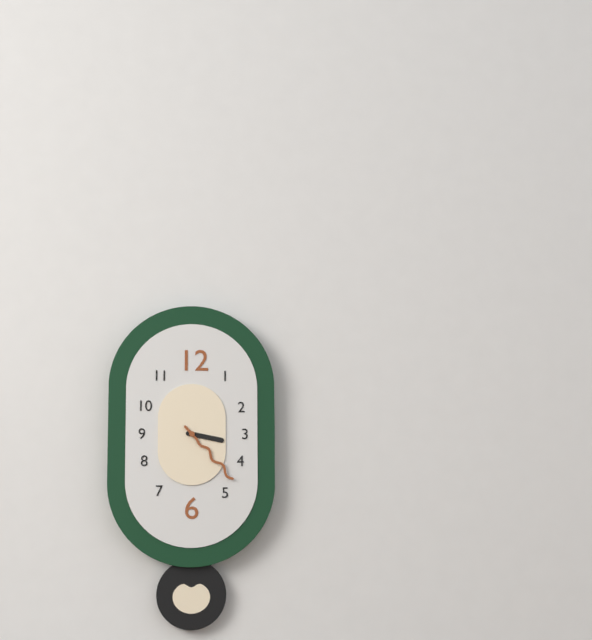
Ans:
3.23
